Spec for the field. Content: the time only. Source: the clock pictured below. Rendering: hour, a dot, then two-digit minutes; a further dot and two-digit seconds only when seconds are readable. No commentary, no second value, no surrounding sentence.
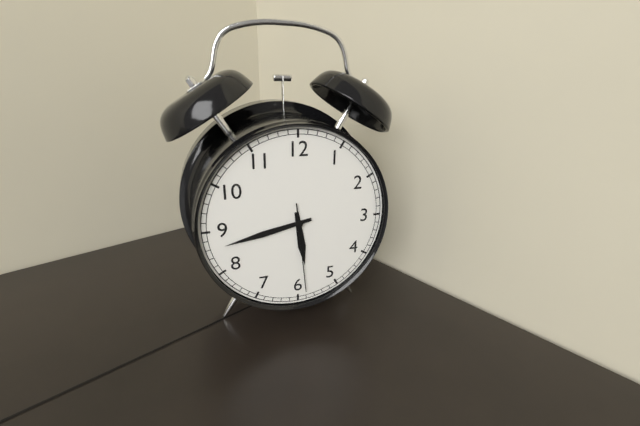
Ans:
5.43.29
